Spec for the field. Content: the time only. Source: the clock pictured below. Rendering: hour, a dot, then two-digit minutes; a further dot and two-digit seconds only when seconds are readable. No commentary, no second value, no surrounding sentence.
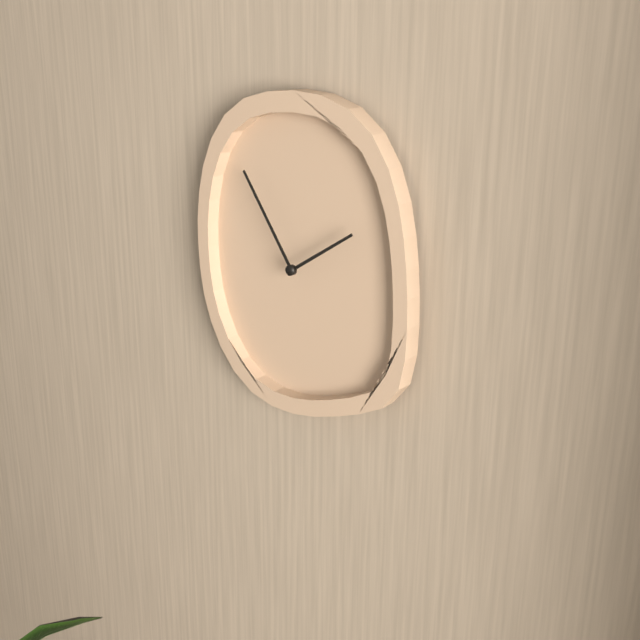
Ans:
1.54
